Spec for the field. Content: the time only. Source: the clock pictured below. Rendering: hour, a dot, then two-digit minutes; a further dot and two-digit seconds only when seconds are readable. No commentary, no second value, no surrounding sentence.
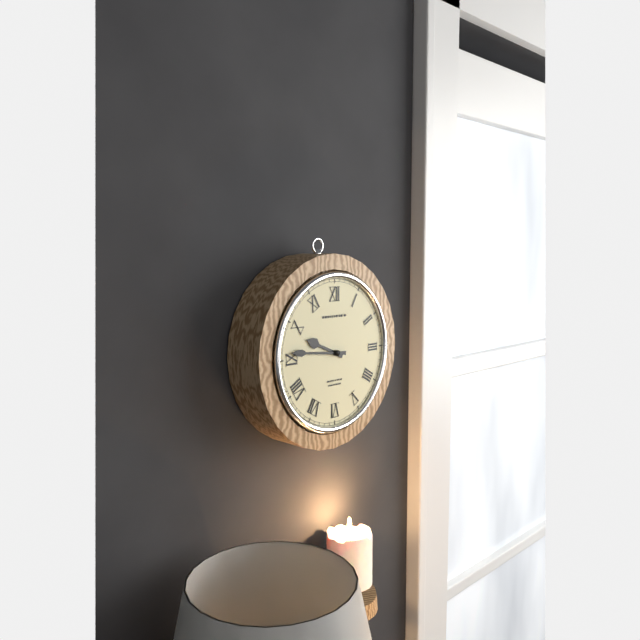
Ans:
9.46
